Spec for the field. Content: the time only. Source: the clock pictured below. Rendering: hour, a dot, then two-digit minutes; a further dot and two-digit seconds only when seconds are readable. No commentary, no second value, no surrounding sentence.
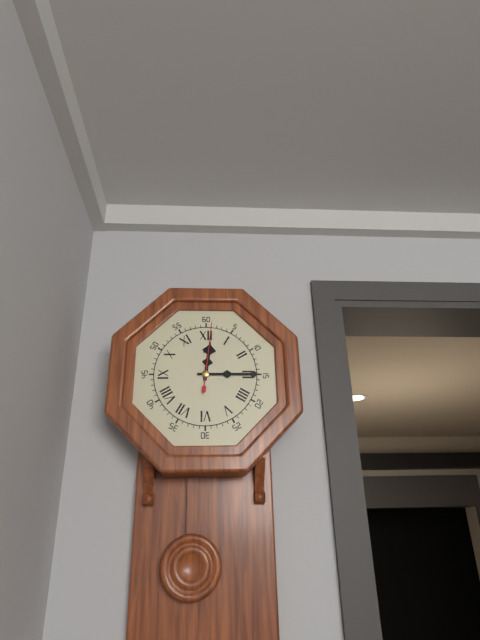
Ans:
12.15.01
